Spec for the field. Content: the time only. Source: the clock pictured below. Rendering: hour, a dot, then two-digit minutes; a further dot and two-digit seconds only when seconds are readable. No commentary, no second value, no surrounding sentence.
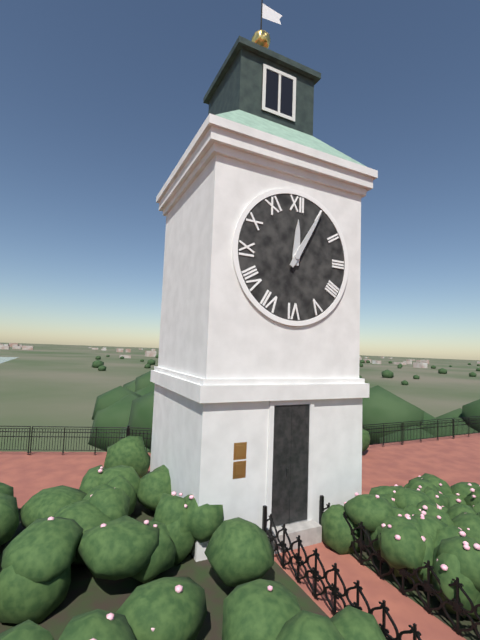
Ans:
12.05
